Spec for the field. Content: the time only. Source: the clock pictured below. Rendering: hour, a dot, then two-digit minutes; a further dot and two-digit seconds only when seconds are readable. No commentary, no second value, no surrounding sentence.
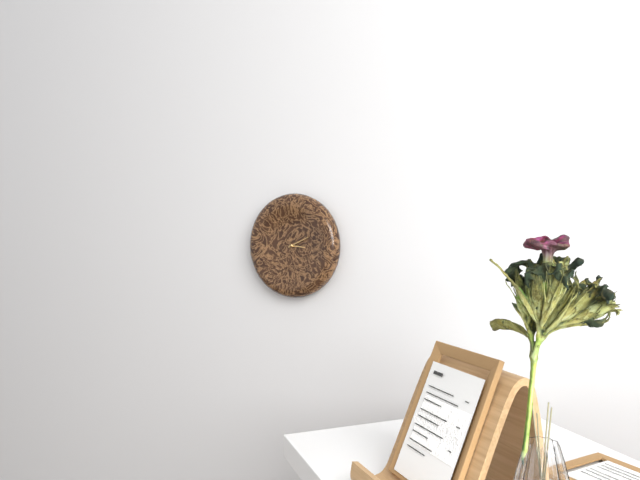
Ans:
3.11
